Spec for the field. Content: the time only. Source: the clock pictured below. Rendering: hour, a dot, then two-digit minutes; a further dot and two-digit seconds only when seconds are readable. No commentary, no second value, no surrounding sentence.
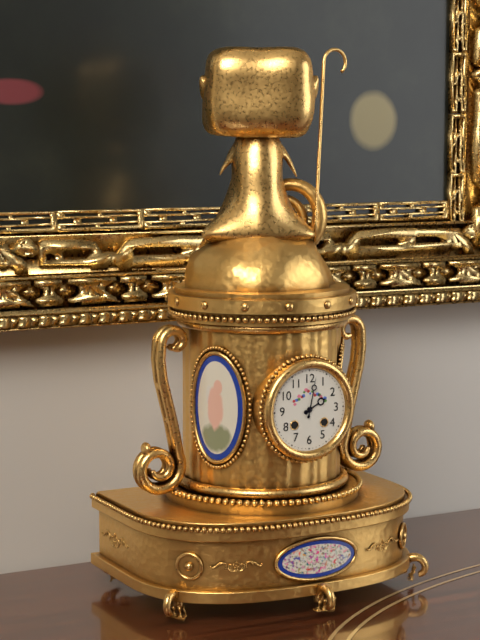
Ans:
2.02
